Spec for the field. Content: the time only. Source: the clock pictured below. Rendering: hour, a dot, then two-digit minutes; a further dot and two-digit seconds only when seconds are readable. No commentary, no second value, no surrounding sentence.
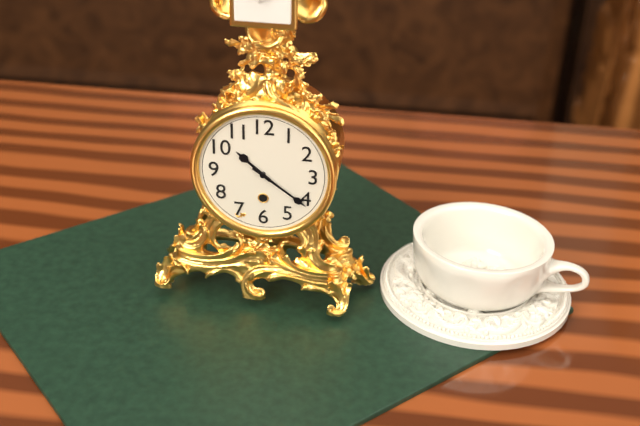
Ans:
10.21
